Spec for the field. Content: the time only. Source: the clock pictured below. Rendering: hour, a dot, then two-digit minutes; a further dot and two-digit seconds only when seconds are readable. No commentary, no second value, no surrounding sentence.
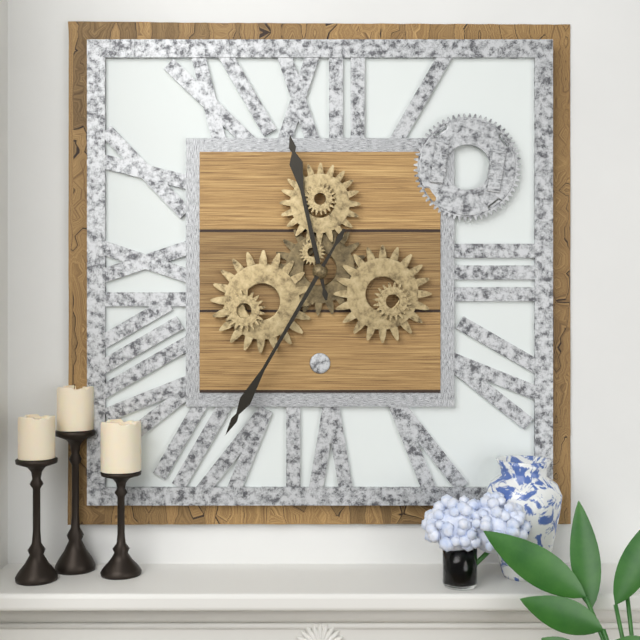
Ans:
11.35
